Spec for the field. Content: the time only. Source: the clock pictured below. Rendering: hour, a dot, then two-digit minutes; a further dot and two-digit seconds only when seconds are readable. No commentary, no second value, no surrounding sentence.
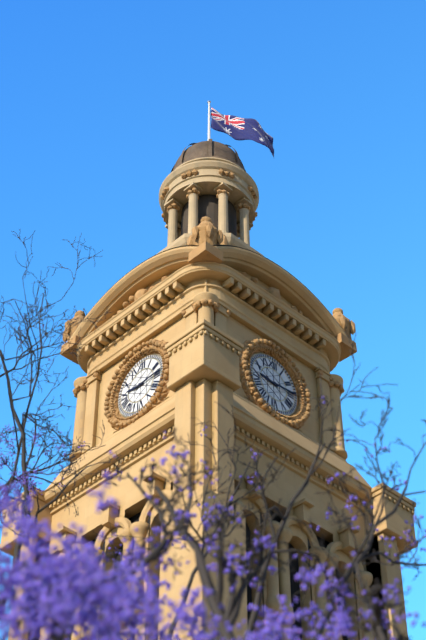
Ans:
9.14
